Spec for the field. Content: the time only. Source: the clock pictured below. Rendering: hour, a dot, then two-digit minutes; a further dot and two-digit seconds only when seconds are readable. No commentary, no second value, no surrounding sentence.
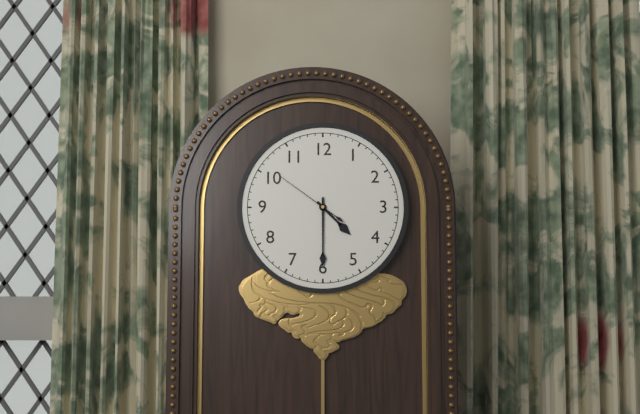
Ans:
4.30.51
